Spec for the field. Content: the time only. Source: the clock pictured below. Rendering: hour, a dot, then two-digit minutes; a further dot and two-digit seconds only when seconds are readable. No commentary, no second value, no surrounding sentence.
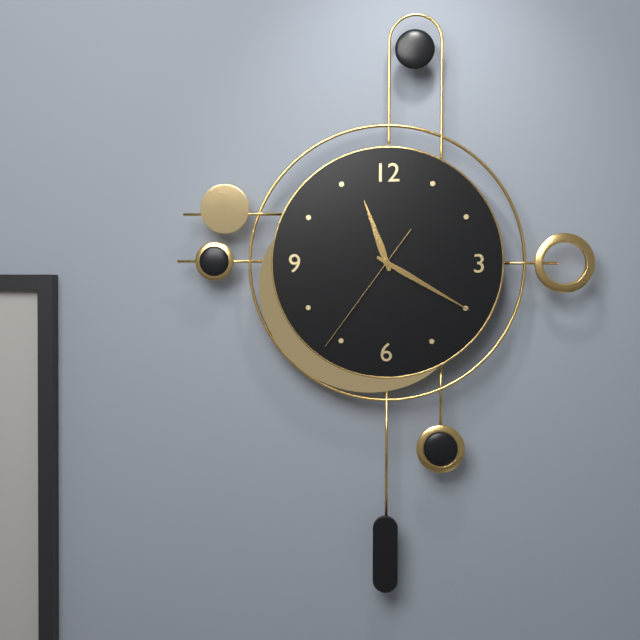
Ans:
11.20.36
